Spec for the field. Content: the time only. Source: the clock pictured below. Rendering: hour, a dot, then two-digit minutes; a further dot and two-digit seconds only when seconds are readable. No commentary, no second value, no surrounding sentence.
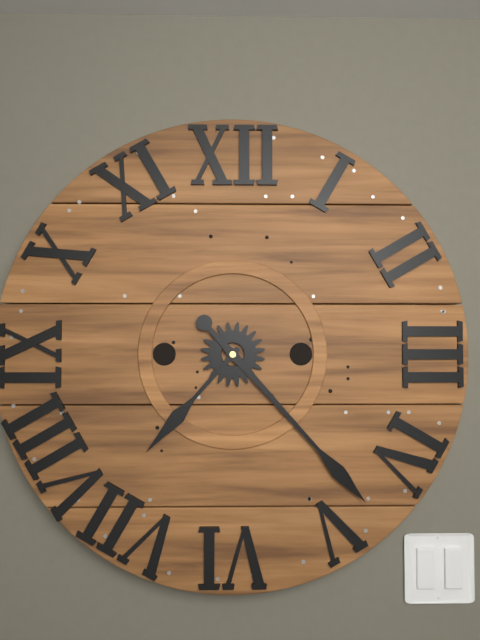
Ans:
7.23
